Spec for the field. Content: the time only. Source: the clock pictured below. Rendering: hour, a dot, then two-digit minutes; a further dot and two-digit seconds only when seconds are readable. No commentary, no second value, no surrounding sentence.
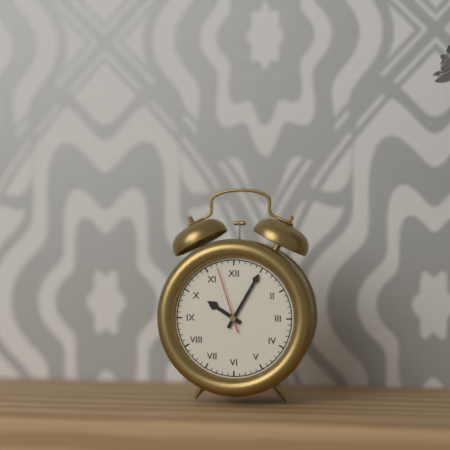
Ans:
10.05.57
